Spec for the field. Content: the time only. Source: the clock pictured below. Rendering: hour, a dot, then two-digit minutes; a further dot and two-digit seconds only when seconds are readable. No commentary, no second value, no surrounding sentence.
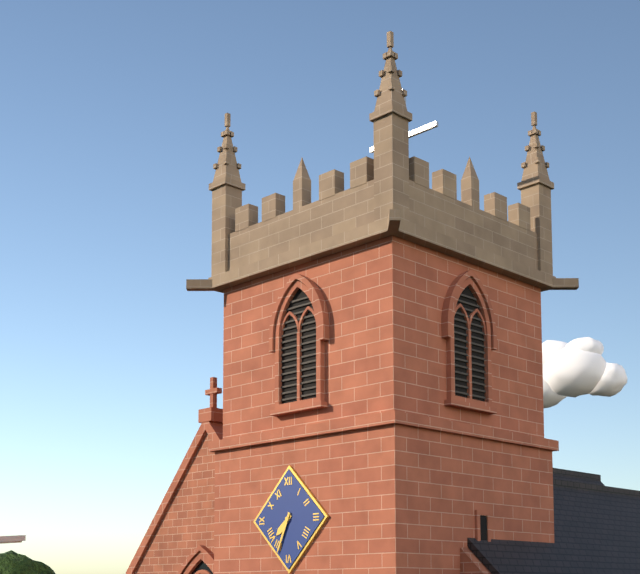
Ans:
7.34
